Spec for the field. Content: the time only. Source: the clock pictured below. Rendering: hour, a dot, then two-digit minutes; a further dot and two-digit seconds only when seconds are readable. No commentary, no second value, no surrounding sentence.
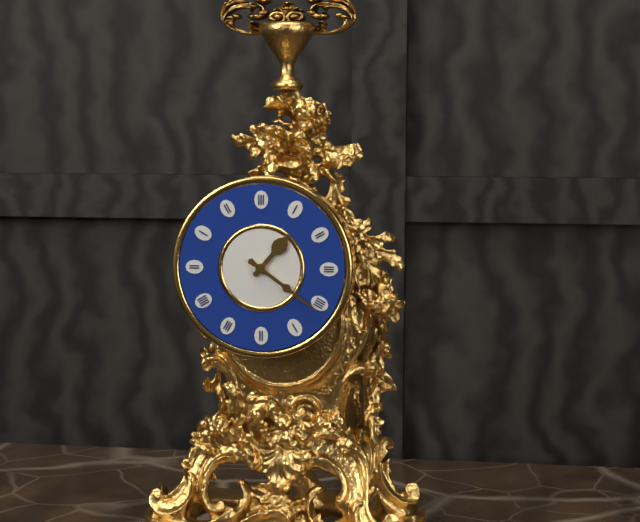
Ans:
1.21
